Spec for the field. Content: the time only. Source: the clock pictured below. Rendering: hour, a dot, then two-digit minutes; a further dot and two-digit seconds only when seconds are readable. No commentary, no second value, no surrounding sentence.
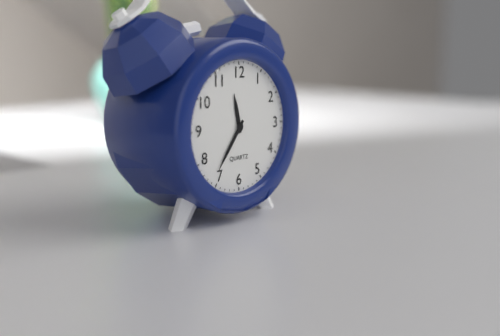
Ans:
11.36
